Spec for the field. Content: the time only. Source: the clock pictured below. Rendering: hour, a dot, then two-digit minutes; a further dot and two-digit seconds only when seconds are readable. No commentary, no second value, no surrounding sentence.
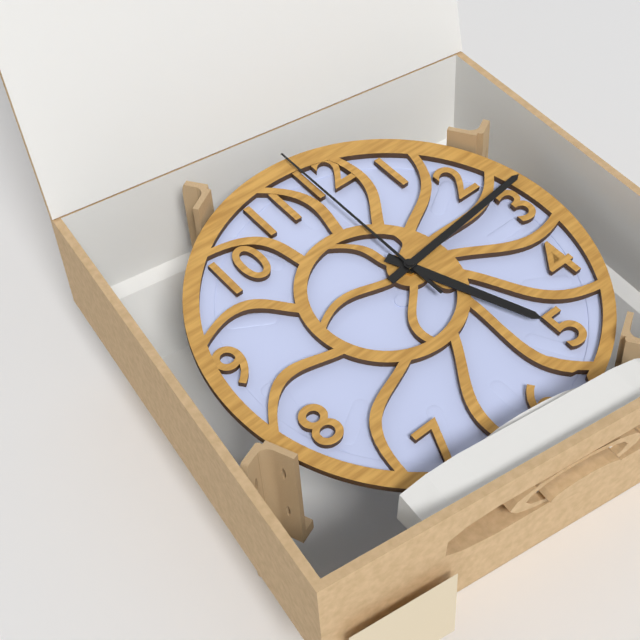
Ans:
5.14.00
